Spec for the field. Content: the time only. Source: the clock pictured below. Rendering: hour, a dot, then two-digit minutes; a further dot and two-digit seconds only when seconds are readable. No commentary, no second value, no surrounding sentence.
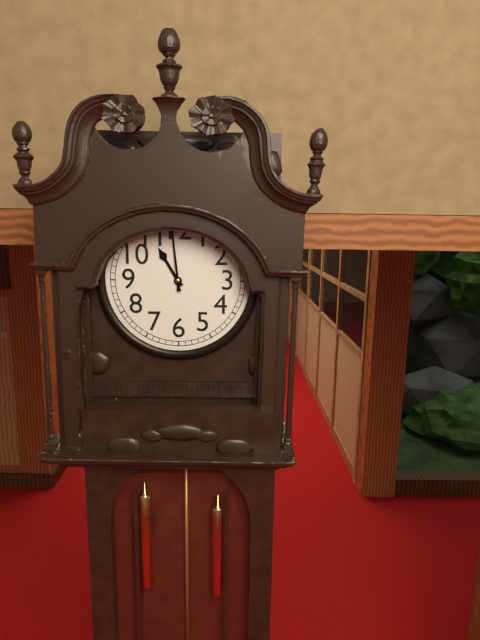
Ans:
10.59
